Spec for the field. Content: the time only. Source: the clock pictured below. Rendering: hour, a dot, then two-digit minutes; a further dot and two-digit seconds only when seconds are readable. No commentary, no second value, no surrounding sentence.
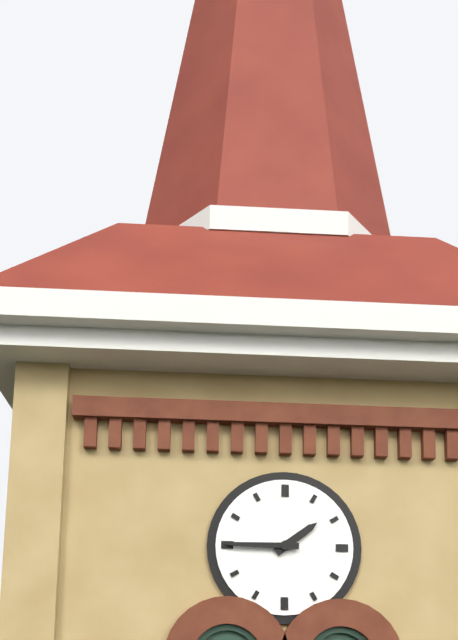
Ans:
1.45
